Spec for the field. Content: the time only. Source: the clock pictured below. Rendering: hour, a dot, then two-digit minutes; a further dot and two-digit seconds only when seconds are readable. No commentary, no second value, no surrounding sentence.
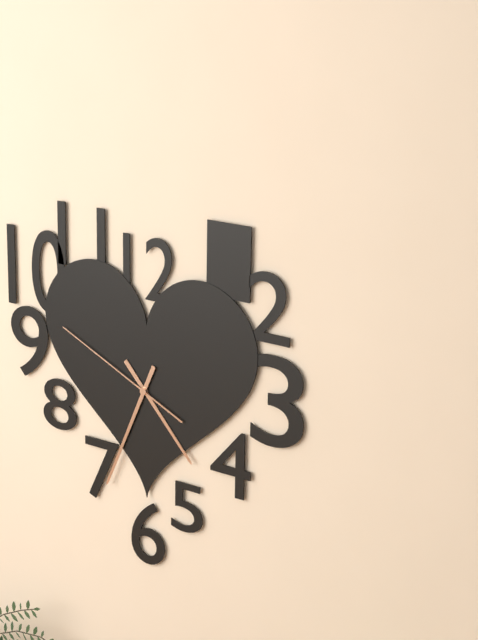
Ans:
4.34.49
